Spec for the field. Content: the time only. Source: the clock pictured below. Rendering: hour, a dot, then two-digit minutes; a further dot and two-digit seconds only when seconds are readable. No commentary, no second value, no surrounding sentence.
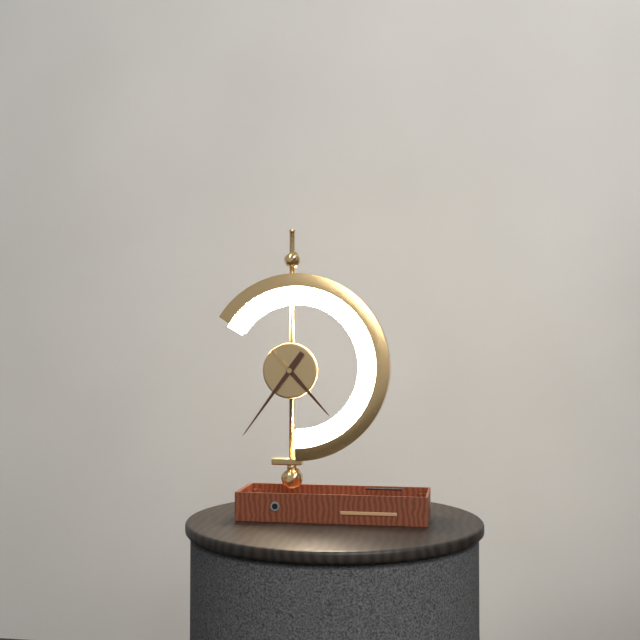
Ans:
4.36
